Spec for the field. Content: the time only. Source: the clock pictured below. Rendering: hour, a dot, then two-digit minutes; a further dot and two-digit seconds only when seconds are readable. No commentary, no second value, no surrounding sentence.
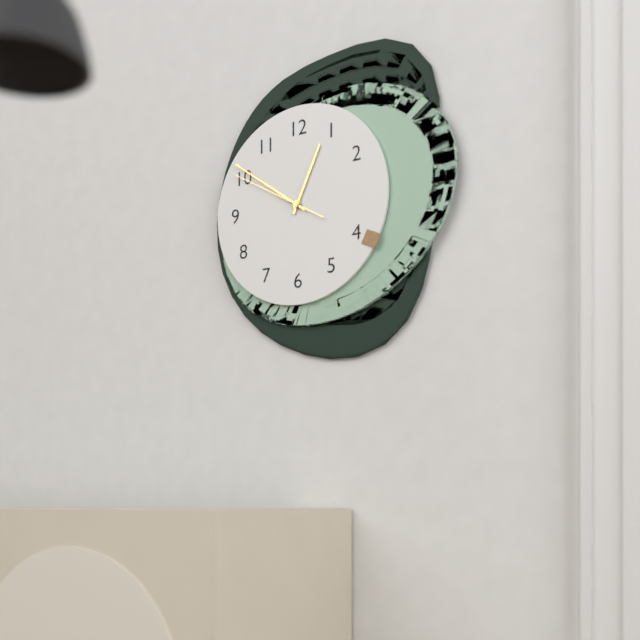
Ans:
12.51.50
